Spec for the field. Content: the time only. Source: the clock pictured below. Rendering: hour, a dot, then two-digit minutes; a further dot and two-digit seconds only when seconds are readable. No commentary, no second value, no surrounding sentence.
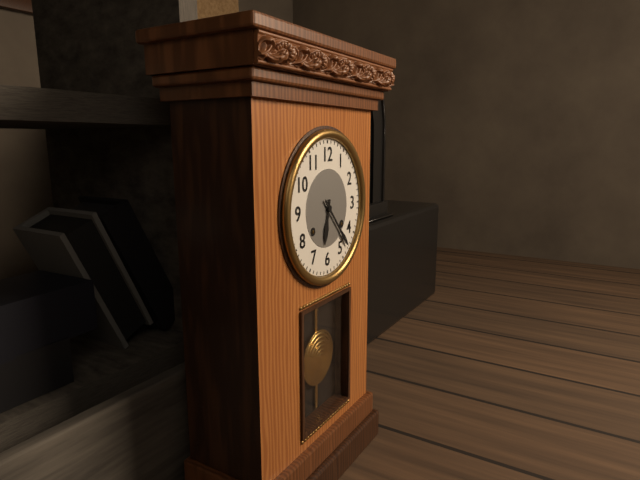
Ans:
6.23
